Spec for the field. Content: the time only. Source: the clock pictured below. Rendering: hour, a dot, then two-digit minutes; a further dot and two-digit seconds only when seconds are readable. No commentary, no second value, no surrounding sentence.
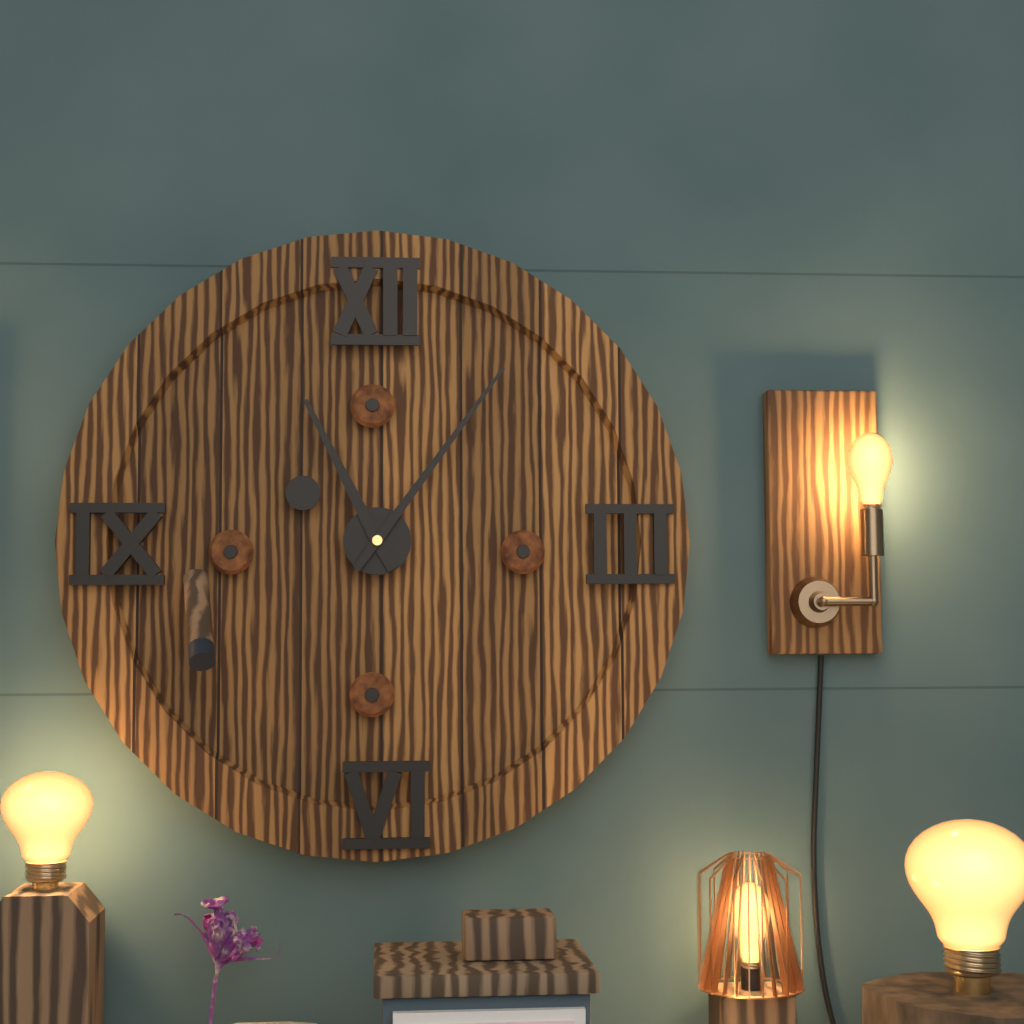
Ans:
11.06
